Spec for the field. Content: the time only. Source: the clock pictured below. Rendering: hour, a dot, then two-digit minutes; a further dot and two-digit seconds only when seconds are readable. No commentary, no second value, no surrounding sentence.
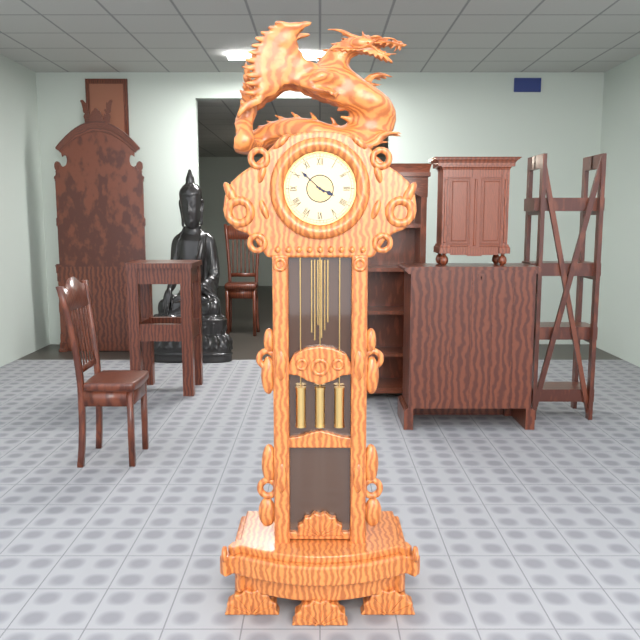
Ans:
3.52
